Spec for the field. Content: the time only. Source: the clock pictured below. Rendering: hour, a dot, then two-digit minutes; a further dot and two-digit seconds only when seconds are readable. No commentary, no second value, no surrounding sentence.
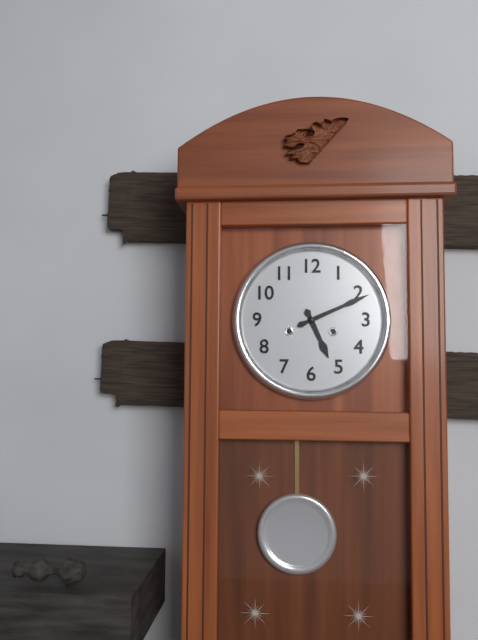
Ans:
5.11
